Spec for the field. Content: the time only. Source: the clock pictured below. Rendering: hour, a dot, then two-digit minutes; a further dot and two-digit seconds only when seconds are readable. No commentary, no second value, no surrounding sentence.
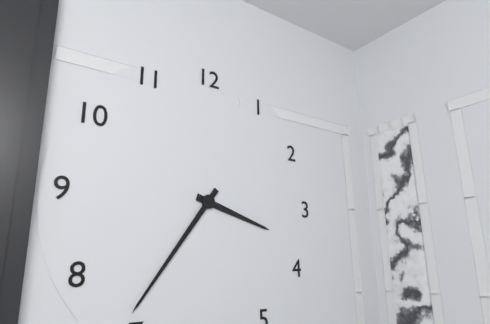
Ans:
3.36
